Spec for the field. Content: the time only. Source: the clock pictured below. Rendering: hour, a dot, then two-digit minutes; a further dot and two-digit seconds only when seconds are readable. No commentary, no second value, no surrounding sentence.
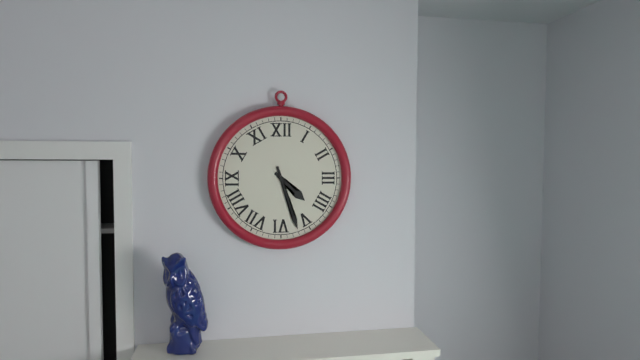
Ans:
4.27
